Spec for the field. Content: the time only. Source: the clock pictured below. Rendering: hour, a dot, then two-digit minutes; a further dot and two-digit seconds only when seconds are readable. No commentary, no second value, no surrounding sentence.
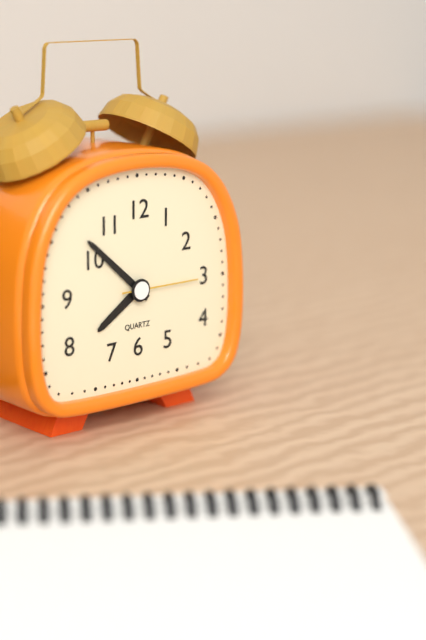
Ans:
7.52.15
